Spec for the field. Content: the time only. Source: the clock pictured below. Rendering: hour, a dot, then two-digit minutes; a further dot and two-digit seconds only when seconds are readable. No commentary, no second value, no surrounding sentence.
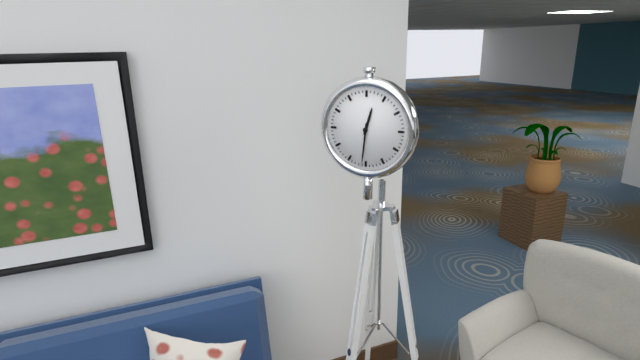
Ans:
12.31
